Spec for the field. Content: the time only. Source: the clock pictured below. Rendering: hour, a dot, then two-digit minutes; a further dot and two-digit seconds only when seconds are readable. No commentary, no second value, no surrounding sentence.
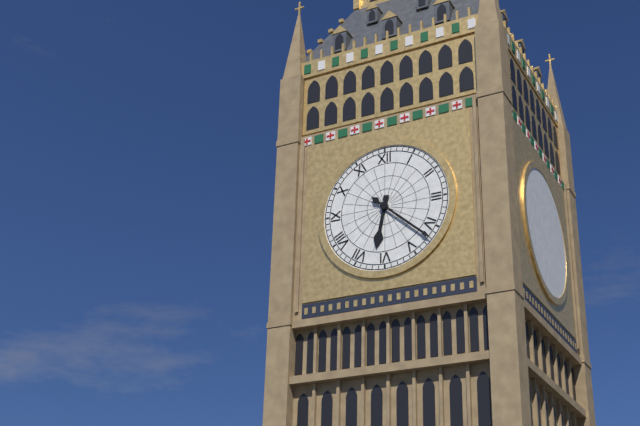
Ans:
6.22
